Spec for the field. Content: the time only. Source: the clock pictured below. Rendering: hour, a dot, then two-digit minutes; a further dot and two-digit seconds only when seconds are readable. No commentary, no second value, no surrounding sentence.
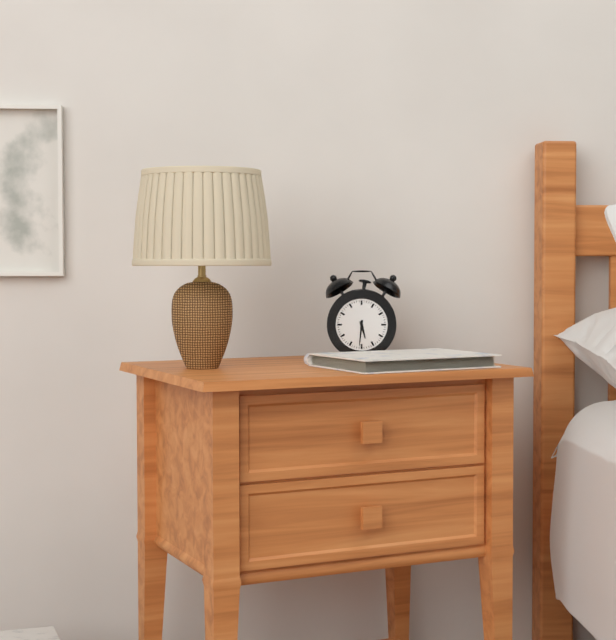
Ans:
5.31
